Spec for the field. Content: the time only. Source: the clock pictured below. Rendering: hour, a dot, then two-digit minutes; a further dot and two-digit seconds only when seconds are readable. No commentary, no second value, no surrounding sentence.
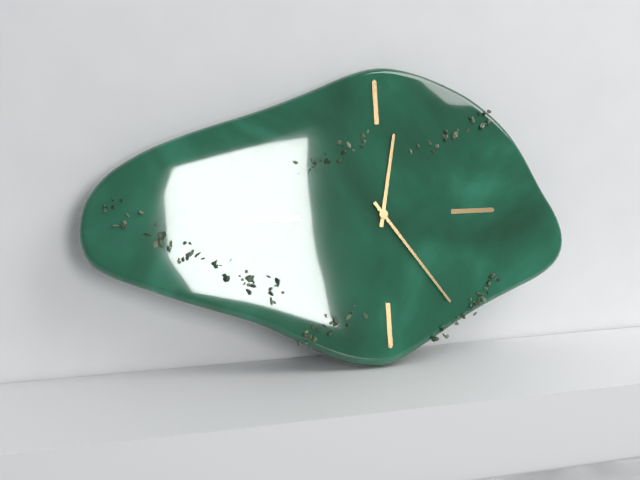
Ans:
12.24
